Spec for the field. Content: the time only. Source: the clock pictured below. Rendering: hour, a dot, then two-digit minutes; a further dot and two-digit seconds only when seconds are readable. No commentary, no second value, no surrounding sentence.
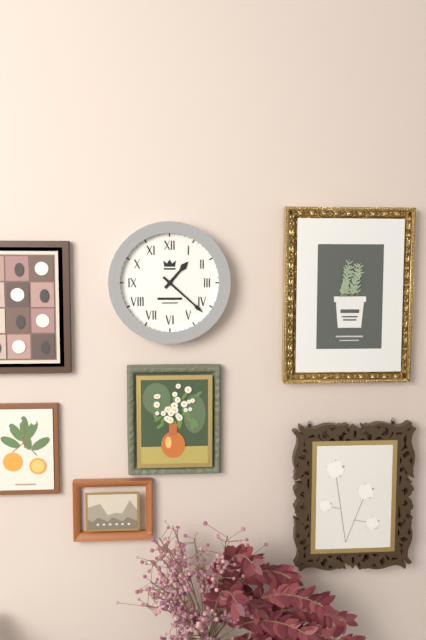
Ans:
1.22
